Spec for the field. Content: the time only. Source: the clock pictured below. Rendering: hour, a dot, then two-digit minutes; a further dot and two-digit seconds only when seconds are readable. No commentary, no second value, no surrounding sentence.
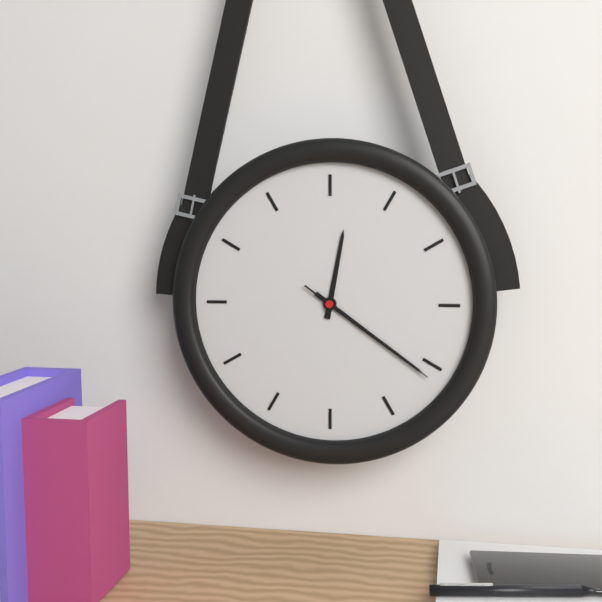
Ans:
12.21.21
